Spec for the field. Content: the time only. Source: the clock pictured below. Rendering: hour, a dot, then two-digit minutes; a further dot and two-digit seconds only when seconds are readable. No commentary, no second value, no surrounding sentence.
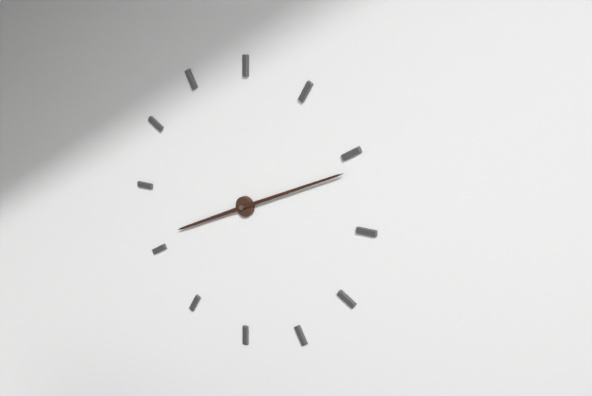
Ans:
8.11
